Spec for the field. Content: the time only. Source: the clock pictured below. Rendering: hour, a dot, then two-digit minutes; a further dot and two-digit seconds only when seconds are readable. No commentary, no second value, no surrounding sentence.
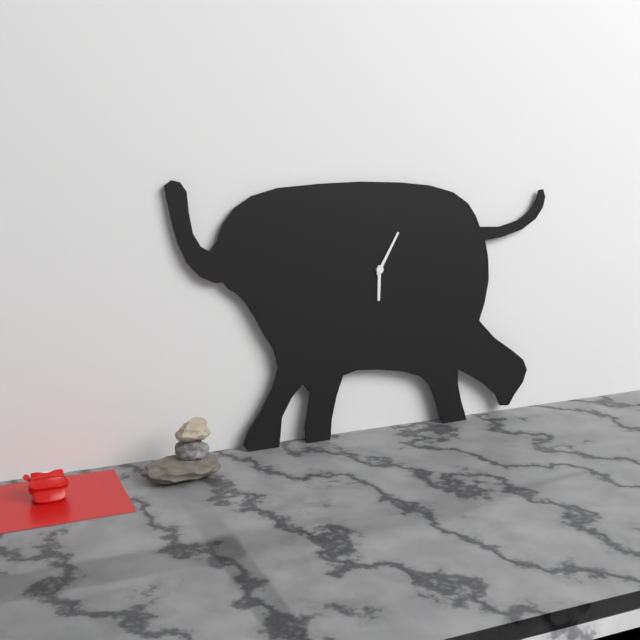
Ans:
6.05
